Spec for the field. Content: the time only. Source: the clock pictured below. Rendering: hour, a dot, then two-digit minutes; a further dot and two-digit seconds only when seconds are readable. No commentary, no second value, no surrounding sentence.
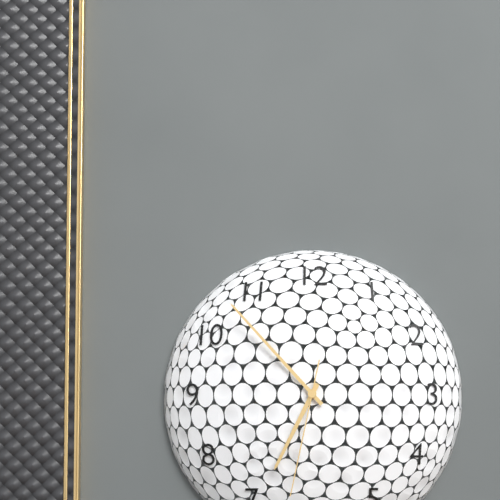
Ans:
6.53.32
